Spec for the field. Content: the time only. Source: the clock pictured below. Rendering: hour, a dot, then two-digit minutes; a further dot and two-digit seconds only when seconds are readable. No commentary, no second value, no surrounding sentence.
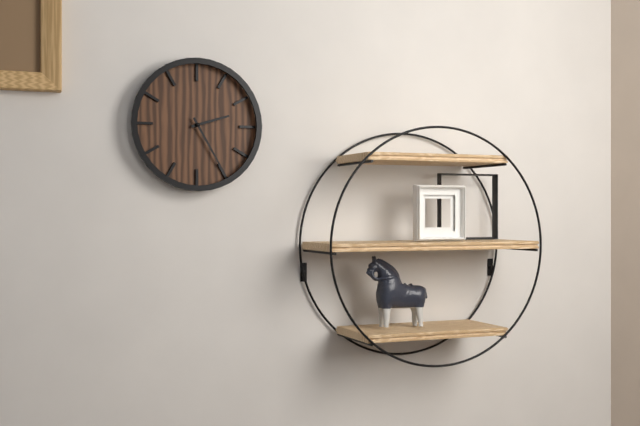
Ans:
2.25
